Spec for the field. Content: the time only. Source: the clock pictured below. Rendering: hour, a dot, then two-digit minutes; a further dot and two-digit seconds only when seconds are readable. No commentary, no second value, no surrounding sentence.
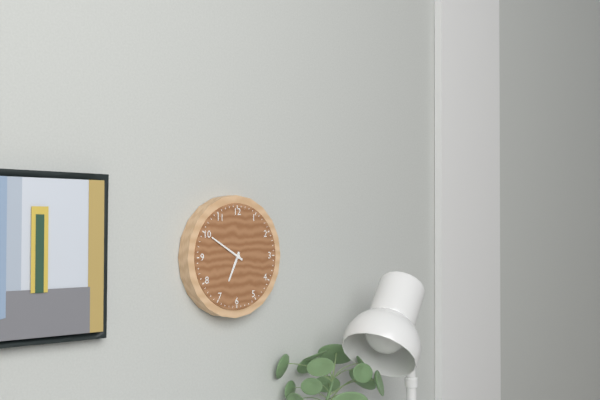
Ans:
6.50
